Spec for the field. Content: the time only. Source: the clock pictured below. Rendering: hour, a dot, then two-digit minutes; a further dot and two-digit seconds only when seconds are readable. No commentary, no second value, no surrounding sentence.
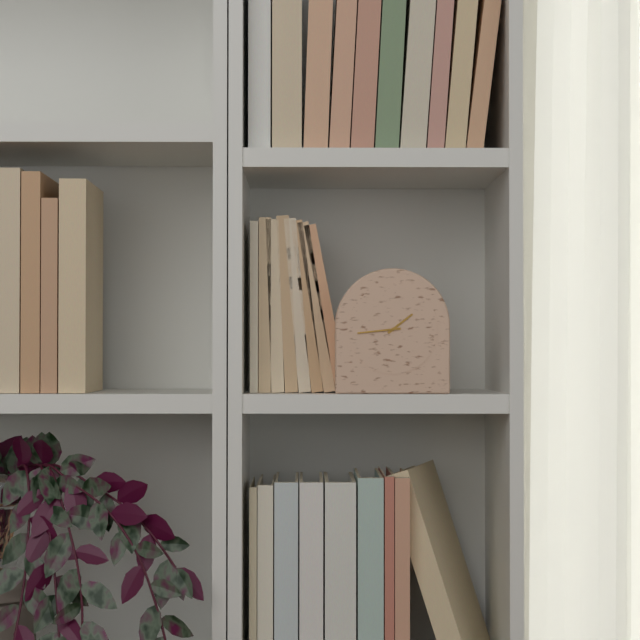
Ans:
1.44
